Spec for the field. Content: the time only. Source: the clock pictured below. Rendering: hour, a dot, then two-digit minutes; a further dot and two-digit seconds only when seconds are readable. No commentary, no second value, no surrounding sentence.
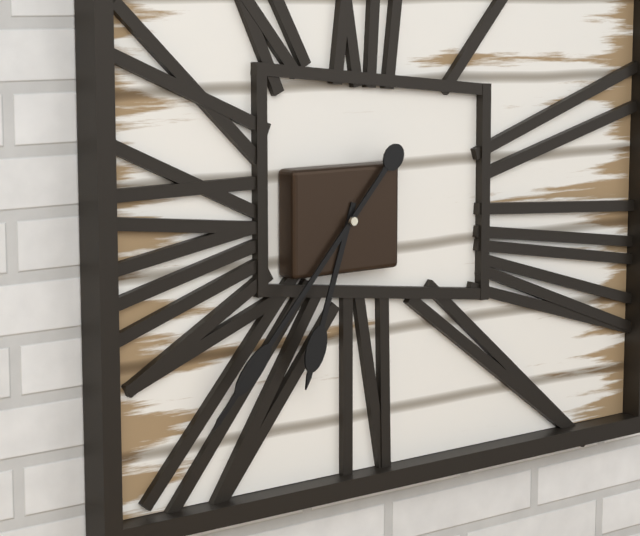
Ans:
6.37
